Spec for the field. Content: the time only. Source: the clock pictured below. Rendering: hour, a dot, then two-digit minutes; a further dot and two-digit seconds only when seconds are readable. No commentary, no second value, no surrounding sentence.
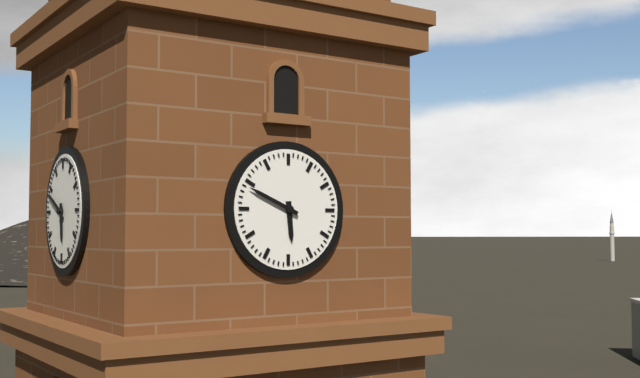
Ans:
5.49
